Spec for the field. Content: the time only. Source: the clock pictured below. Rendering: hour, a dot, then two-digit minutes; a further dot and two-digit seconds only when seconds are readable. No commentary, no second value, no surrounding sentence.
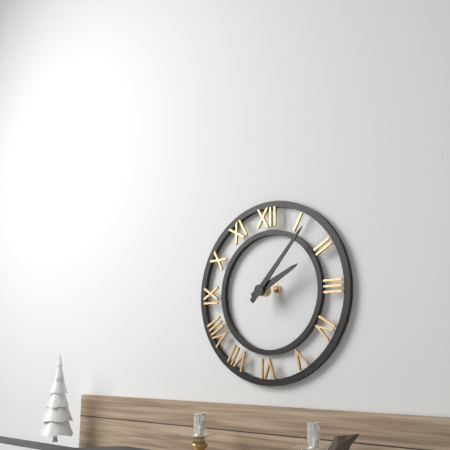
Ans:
2.07
